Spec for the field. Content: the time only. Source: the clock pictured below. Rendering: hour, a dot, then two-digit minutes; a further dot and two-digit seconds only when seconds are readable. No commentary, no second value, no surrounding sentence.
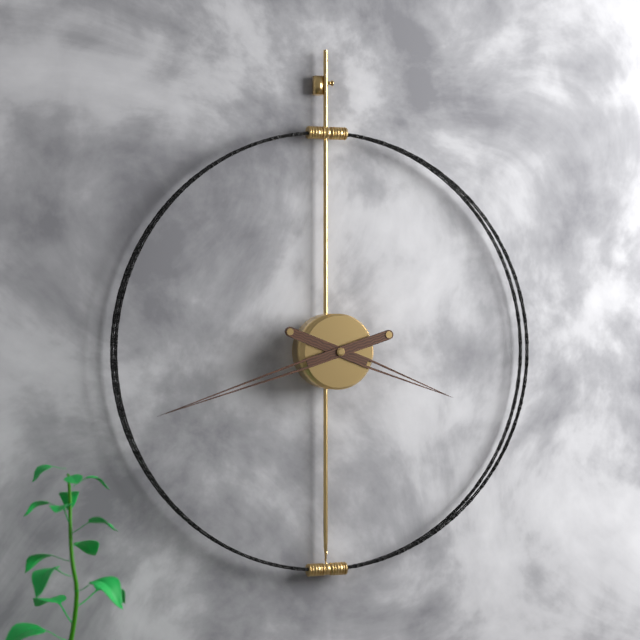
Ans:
3.42
